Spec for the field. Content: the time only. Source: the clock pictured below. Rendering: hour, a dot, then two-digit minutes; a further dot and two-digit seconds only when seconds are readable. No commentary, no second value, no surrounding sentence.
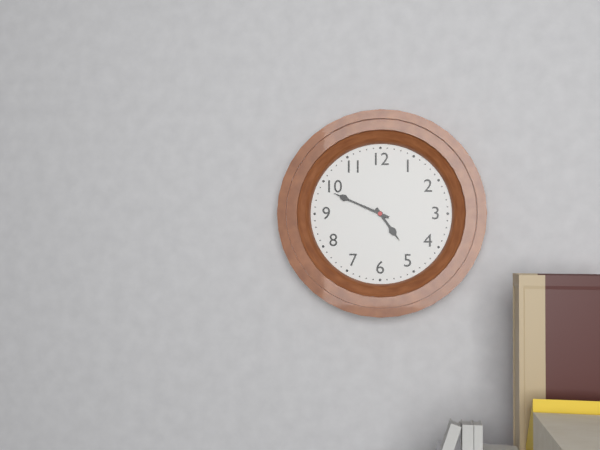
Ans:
4.49
